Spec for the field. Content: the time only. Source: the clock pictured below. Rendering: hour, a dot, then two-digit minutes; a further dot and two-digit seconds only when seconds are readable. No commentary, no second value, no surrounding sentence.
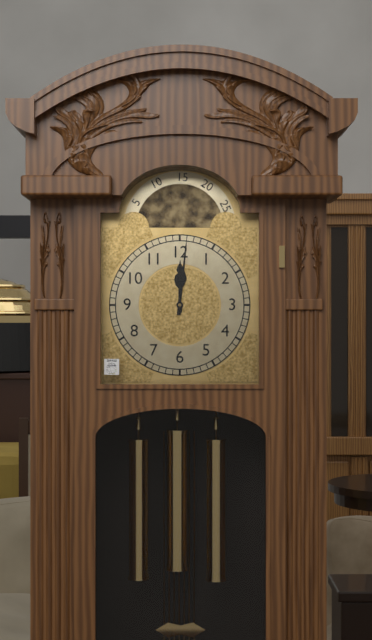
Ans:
12.01
